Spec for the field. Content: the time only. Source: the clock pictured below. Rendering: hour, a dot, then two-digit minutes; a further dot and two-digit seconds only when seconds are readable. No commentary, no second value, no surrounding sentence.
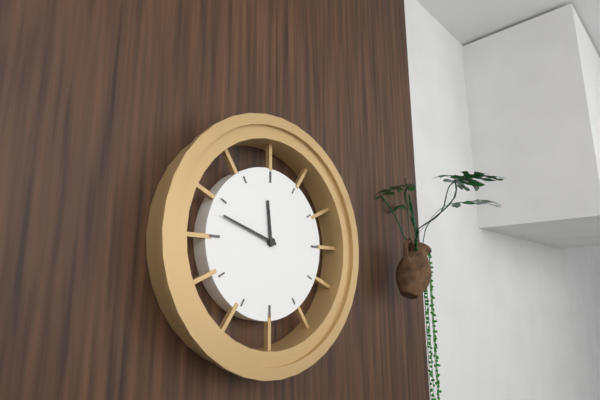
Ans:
11.48
